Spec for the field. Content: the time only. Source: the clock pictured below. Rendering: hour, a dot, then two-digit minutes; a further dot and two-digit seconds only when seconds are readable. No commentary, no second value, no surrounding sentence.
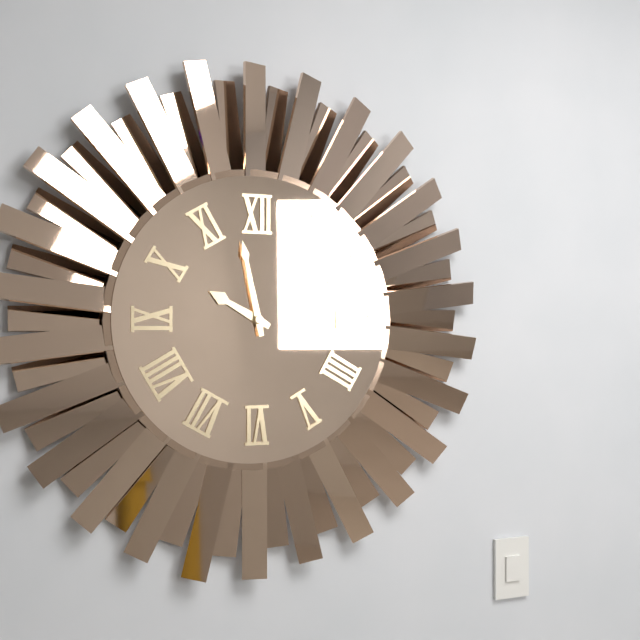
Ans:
9.58
